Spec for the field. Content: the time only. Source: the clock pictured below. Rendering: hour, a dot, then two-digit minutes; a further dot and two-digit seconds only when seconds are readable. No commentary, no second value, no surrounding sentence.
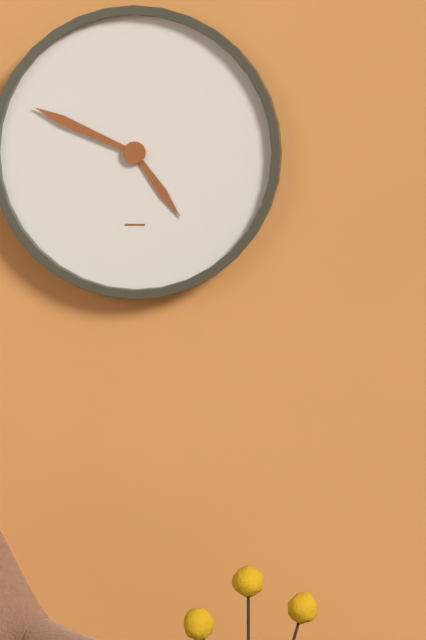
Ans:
4.49
